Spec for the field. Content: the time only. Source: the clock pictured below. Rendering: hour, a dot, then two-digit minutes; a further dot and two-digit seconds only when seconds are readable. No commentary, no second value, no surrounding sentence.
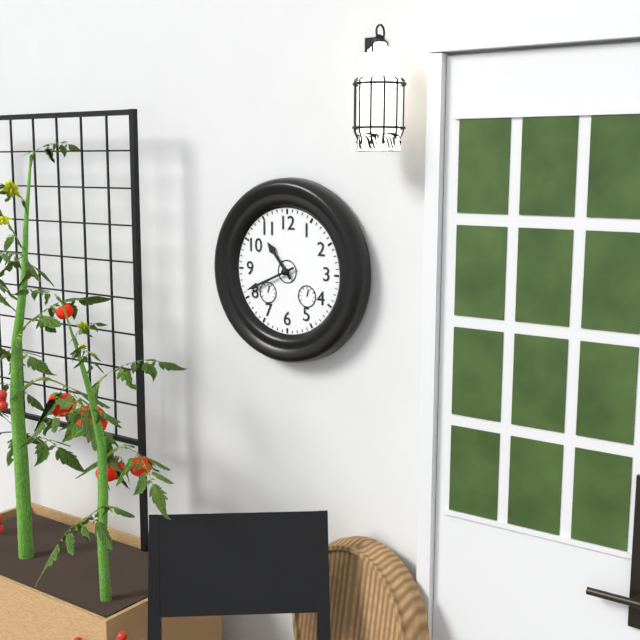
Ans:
10.41
